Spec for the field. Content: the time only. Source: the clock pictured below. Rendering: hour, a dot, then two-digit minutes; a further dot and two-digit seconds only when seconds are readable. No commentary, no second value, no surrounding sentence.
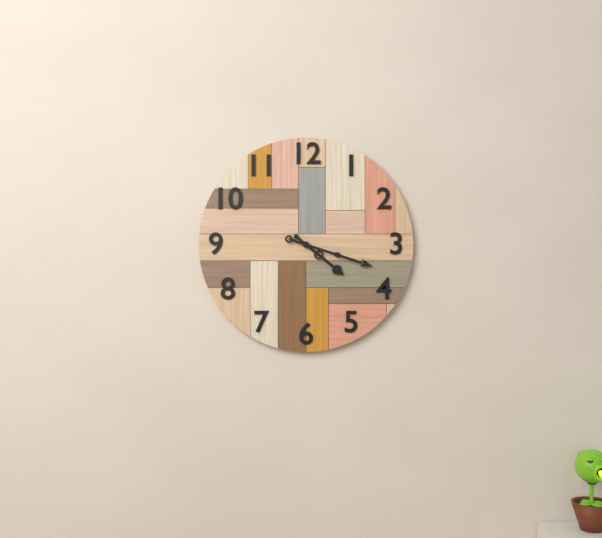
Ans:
4.18
